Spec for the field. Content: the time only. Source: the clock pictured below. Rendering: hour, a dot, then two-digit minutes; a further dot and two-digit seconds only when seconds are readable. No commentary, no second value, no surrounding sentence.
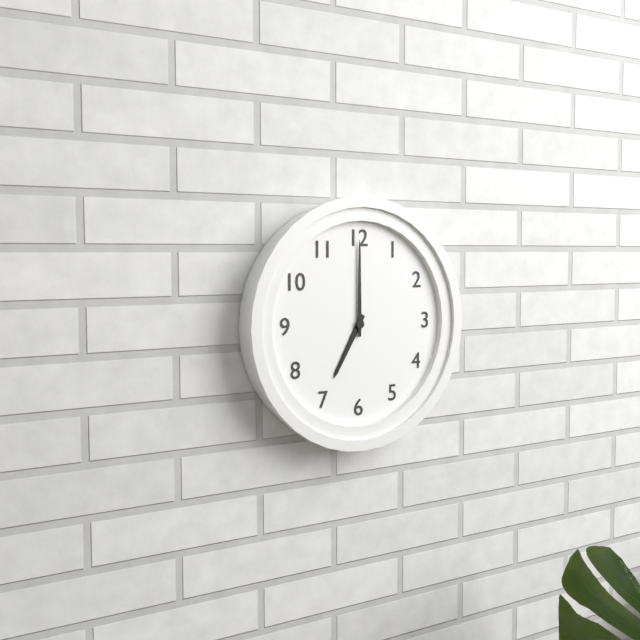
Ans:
7.00
